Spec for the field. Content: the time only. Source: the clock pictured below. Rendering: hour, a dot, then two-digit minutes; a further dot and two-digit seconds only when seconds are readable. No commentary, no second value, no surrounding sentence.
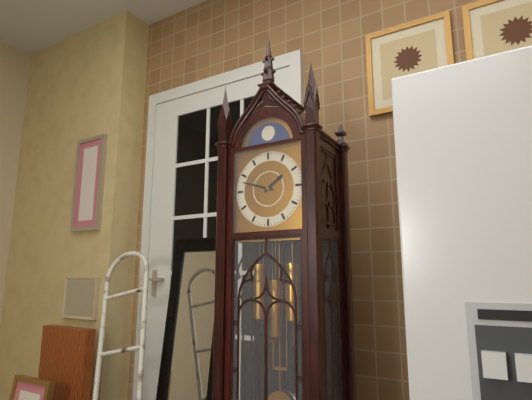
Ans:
1.48
